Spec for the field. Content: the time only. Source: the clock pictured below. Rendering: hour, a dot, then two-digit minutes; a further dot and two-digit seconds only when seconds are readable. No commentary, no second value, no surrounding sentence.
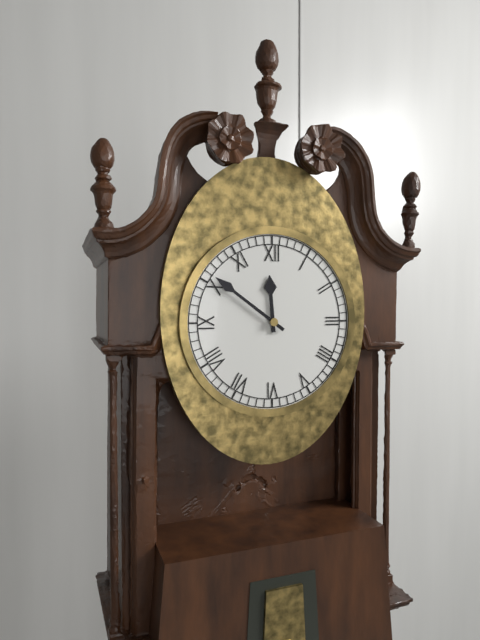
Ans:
11.51
